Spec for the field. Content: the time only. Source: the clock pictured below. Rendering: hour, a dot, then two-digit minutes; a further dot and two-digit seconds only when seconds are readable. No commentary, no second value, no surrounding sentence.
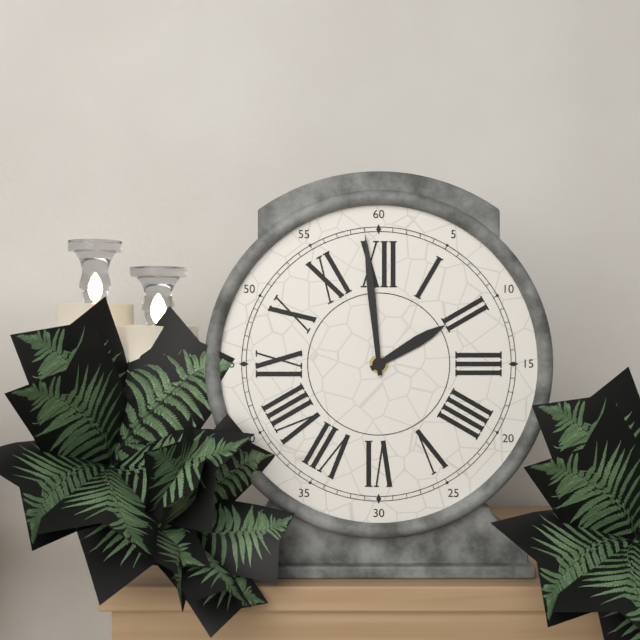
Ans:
1.59
